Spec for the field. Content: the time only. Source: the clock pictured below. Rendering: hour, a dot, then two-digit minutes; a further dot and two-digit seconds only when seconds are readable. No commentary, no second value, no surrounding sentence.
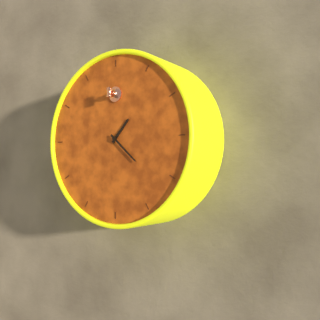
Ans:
1.22
